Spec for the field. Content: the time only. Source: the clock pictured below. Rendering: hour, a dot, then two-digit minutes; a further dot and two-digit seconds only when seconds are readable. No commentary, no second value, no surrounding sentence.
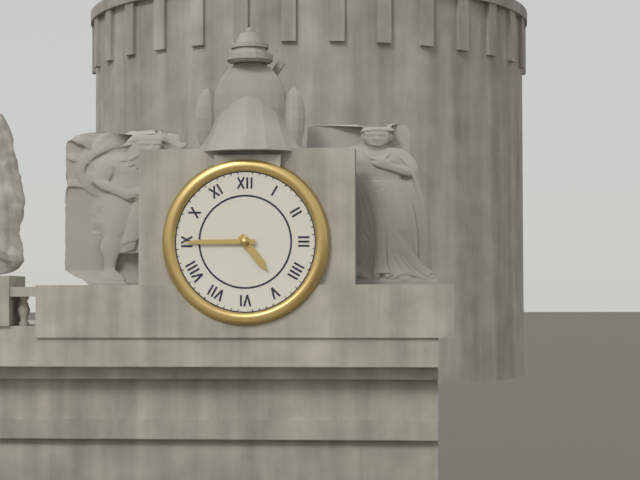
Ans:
4.45
